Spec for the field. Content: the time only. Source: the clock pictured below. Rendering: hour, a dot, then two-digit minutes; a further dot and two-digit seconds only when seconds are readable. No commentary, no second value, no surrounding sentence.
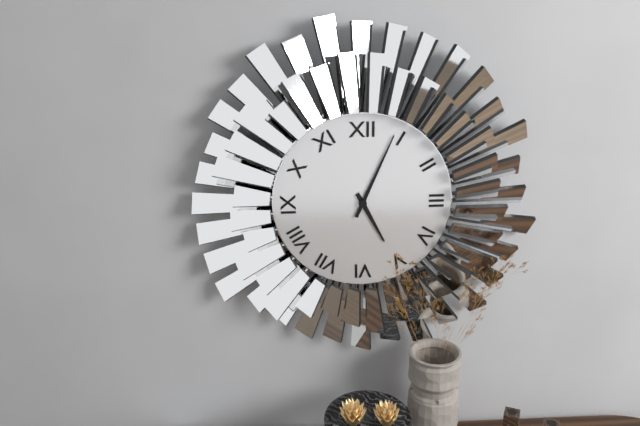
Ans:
5.04
